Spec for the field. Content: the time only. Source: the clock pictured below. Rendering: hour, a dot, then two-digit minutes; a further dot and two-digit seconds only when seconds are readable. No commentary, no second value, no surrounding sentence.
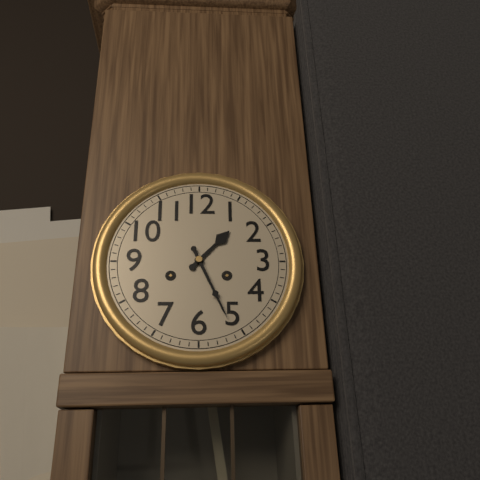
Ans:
1.26
